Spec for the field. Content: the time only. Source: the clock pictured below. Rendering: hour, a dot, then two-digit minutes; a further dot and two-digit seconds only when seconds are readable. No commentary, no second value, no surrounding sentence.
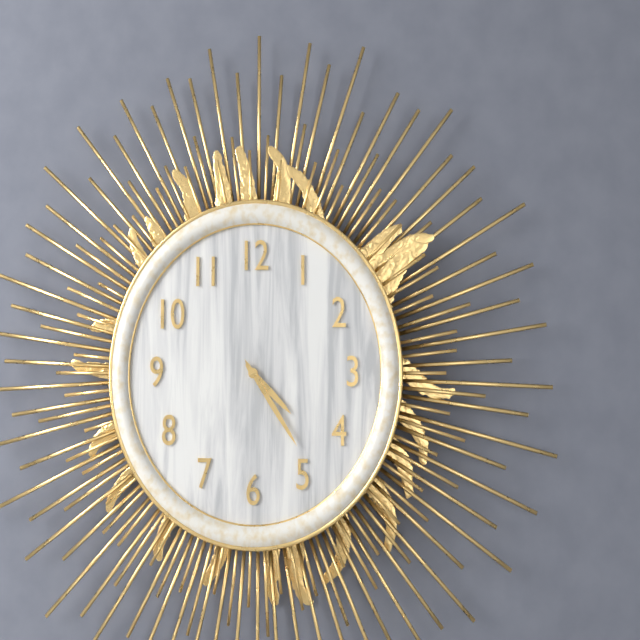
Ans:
4.24
